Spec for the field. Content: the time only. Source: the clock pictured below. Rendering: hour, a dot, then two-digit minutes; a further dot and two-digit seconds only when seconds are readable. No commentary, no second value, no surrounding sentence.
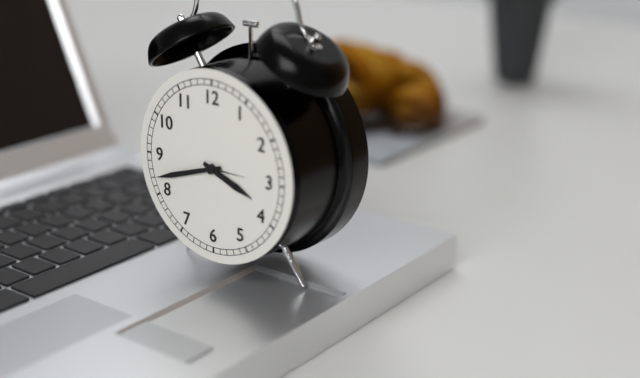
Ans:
3.42
